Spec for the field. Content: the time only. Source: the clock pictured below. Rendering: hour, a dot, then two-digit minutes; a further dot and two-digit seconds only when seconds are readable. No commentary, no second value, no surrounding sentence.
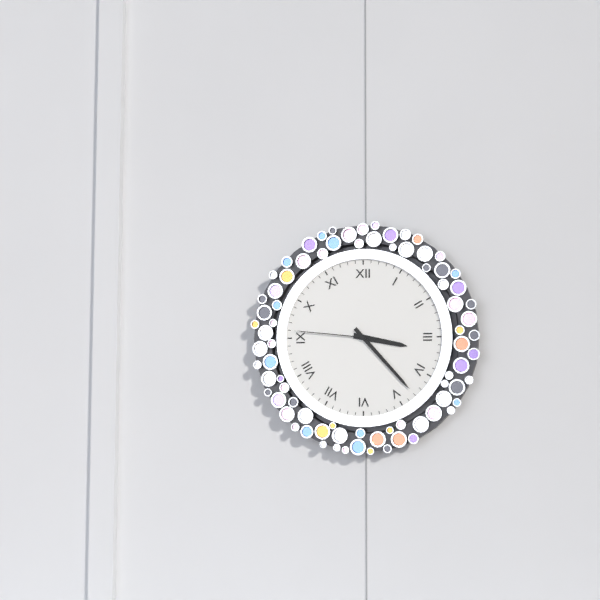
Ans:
3.23.46
